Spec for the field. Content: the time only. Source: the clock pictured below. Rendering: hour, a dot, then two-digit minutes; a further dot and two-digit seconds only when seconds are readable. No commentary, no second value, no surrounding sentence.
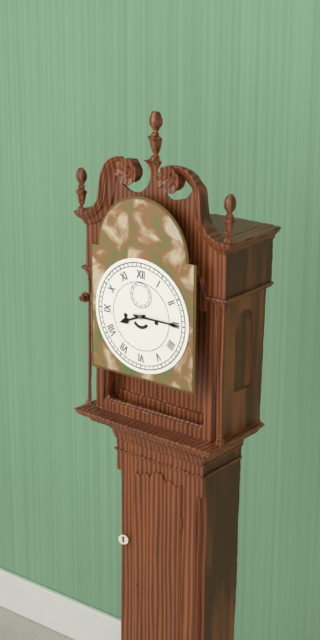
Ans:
8.15
